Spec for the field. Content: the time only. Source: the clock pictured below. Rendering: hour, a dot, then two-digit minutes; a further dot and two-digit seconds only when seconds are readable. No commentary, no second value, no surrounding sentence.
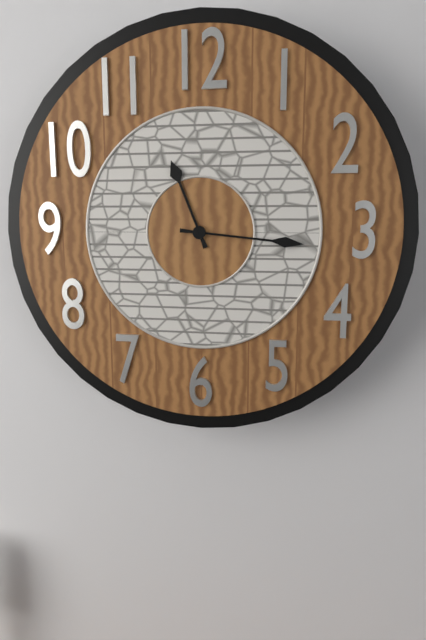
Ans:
11.16
